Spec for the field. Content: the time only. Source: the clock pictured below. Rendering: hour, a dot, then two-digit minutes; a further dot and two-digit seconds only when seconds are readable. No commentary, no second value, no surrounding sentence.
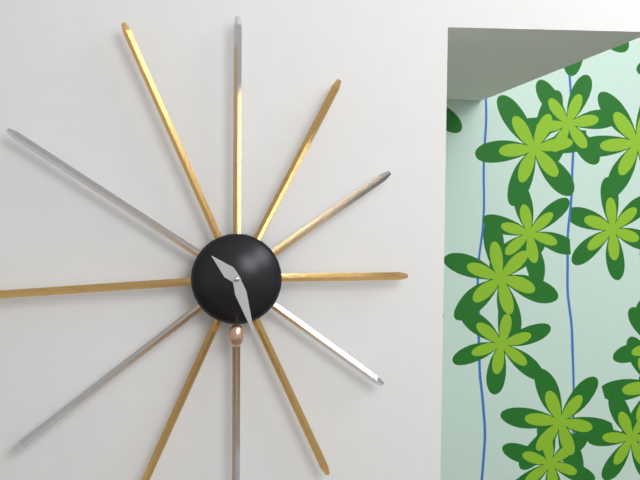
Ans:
10.27
